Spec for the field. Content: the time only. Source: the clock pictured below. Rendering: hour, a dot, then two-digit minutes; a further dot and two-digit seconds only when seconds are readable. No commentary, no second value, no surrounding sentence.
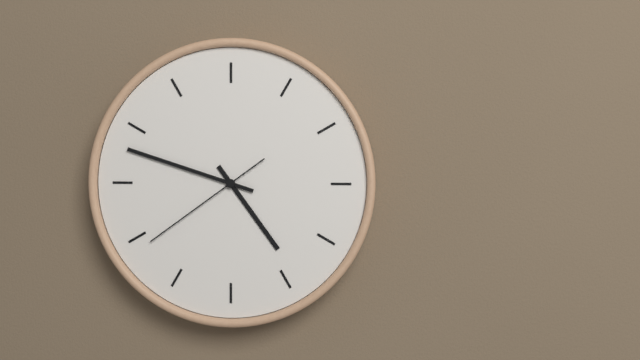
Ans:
4.48.39
